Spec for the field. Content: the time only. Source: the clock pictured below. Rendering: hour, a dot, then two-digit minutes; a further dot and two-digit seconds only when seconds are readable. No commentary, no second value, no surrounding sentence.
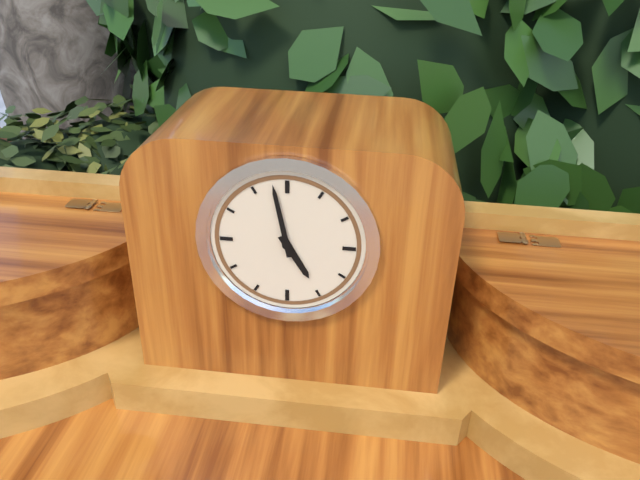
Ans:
4.58
